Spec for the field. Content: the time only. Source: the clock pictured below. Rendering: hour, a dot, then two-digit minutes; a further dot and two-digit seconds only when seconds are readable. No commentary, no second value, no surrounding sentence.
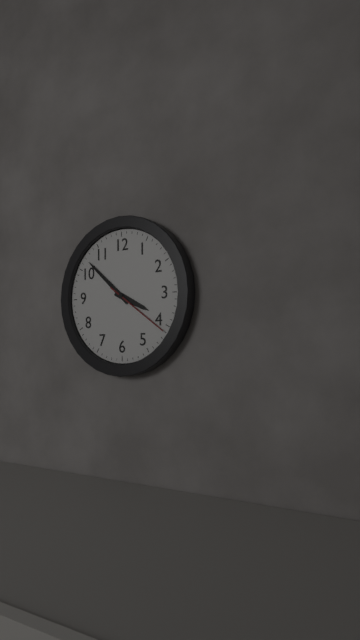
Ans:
3.52.21
